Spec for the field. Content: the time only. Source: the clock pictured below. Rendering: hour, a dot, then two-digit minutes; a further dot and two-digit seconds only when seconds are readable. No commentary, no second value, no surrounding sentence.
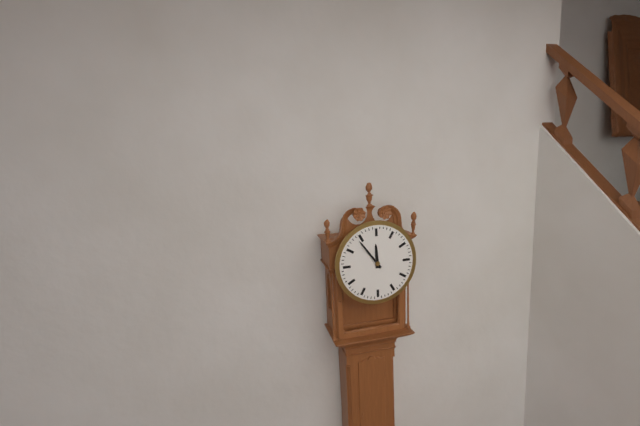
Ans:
11.54
